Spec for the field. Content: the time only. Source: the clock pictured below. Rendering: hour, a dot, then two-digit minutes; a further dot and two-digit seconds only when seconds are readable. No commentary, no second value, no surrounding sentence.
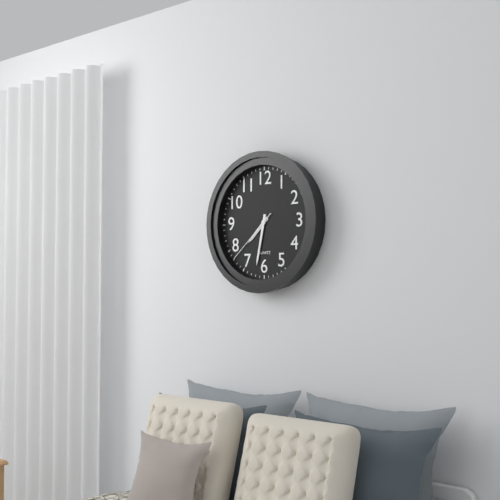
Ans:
7.32.38
